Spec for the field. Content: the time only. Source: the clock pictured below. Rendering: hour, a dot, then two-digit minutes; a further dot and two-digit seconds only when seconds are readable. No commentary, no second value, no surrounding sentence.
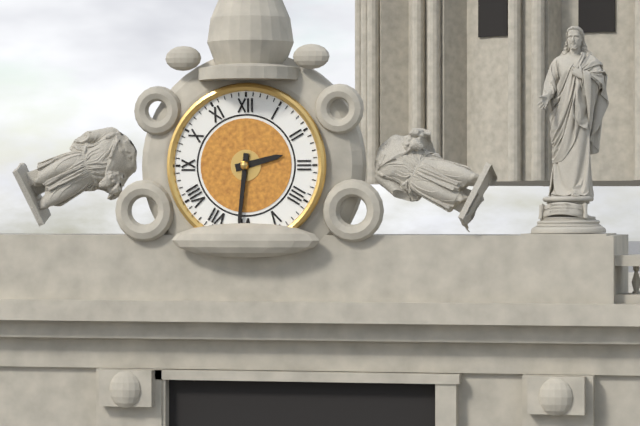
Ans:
2.31
